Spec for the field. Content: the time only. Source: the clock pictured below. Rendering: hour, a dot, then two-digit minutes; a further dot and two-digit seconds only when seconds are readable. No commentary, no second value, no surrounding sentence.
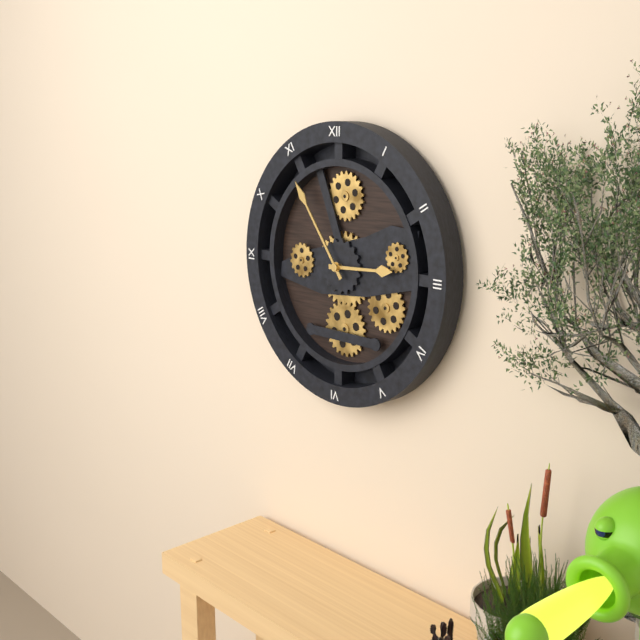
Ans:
2.54
